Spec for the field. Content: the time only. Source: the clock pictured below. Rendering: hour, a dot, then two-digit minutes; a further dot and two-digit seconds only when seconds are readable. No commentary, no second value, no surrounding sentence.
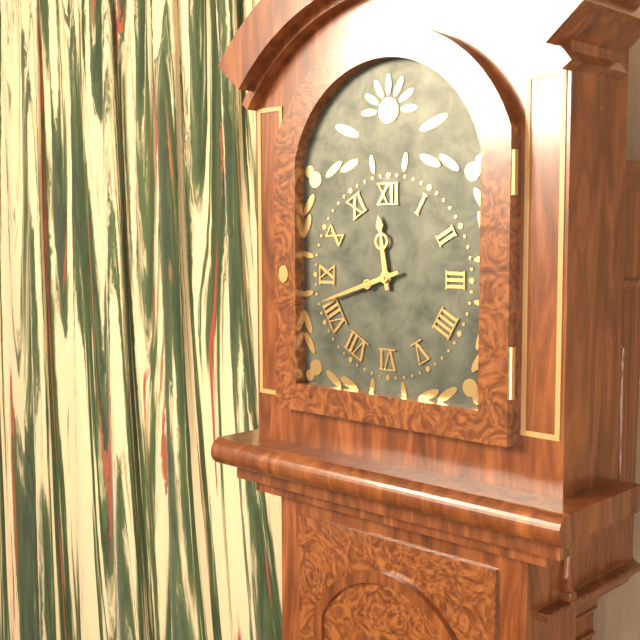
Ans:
11.42
